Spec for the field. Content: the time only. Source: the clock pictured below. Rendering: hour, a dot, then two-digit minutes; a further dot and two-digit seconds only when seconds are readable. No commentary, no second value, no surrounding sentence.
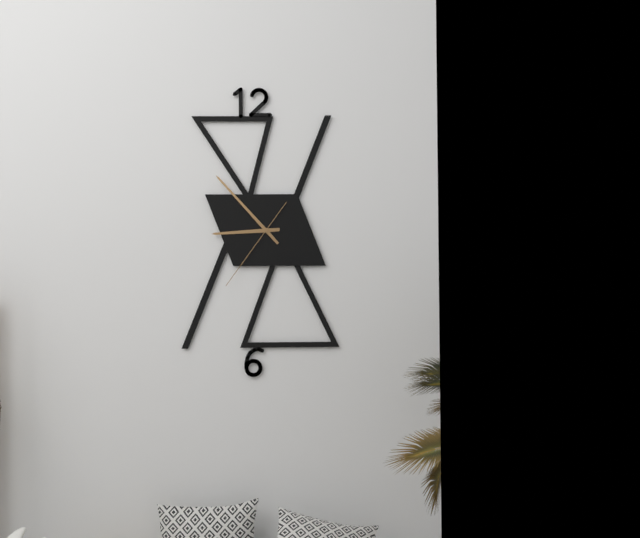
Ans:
8.53.36
